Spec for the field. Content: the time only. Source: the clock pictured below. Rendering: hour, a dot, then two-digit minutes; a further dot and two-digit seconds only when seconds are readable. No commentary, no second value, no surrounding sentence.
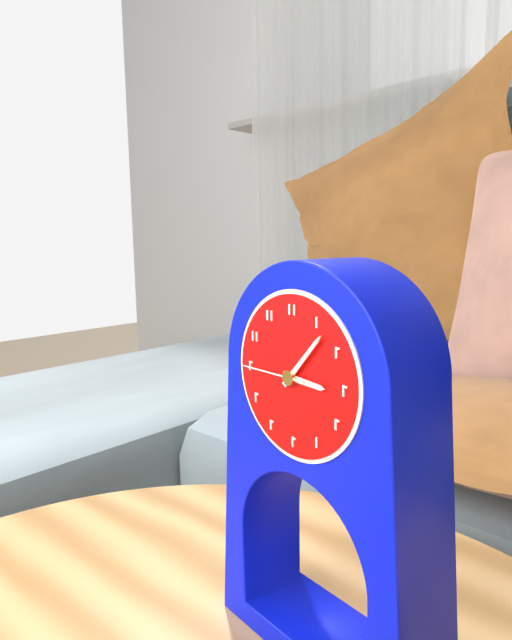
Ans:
3.07.45
